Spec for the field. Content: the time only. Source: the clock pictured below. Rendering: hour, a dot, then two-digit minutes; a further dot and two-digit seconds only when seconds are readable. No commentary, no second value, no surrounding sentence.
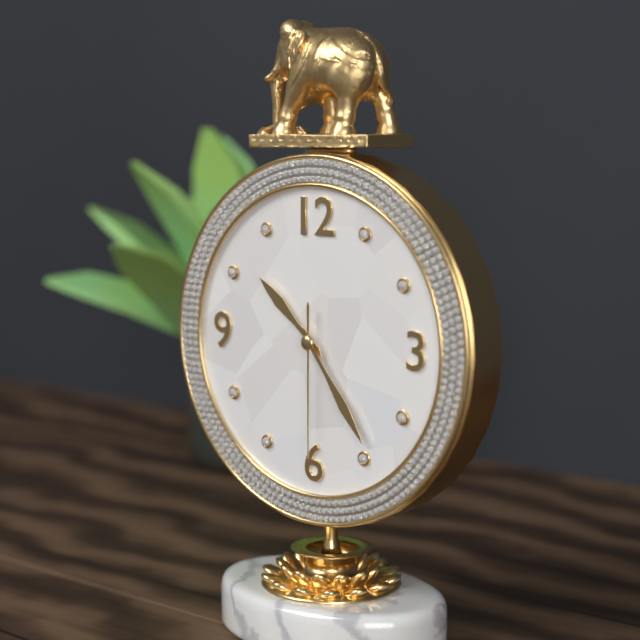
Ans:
10.24.30
